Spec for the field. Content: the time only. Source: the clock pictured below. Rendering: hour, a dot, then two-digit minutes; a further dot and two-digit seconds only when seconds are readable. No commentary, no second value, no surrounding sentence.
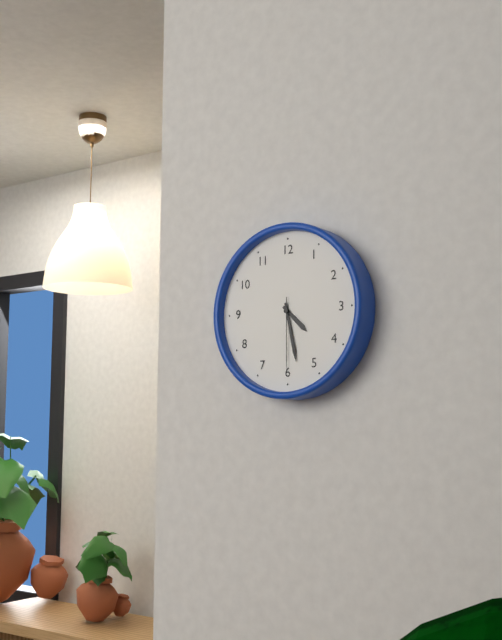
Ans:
4.28.30
